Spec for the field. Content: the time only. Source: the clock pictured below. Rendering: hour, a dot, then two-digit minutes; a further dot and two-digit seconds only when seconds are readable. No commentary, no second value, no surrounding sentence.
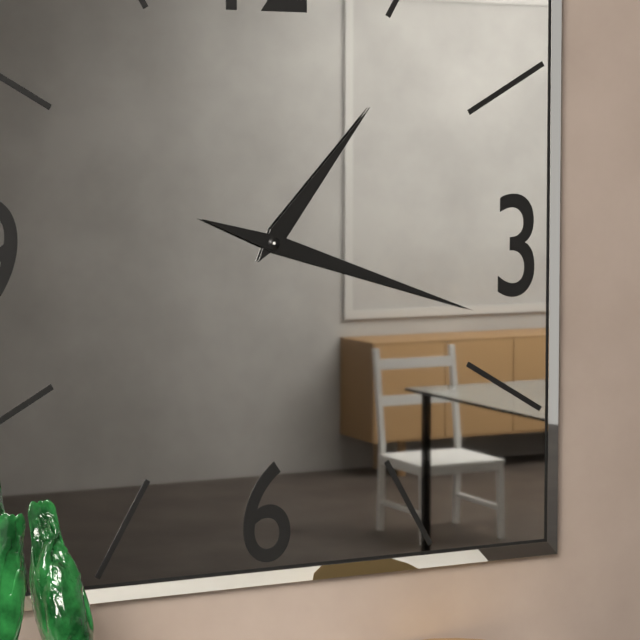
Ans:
1.18
